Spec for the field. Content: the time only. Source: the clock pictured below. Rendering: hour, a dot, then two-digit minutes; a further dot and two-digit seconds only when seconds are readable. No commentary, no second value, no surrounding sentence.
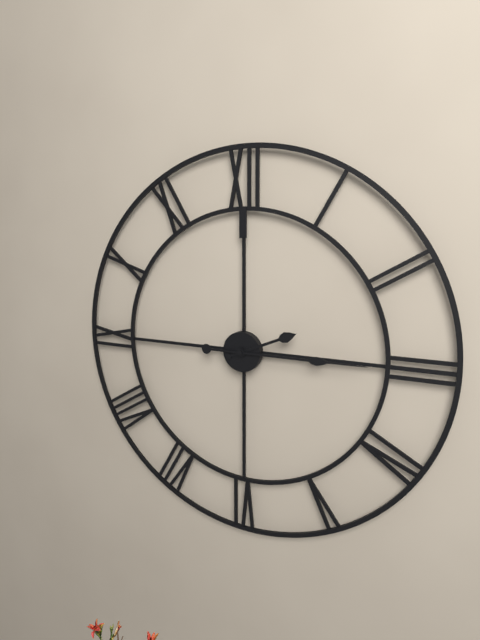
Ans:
2.15
